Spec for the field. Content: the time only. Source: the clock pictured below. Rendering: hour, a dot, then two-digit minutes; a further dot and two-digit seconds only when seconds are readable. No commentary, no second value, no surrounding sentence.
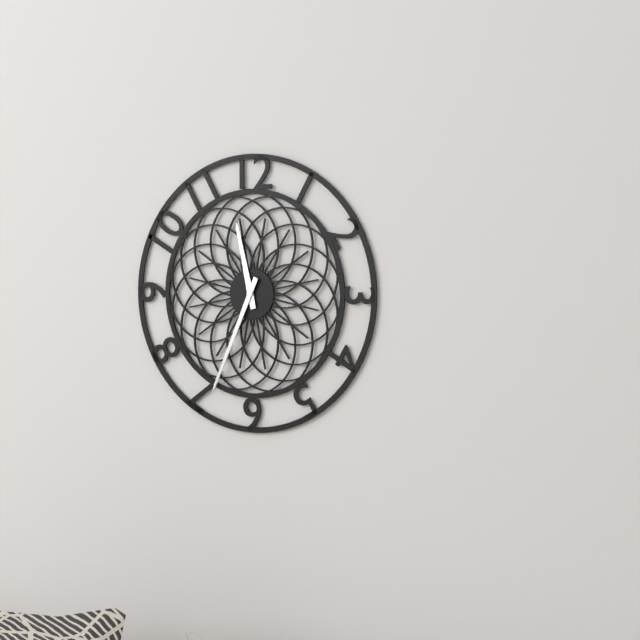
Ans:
11.34
